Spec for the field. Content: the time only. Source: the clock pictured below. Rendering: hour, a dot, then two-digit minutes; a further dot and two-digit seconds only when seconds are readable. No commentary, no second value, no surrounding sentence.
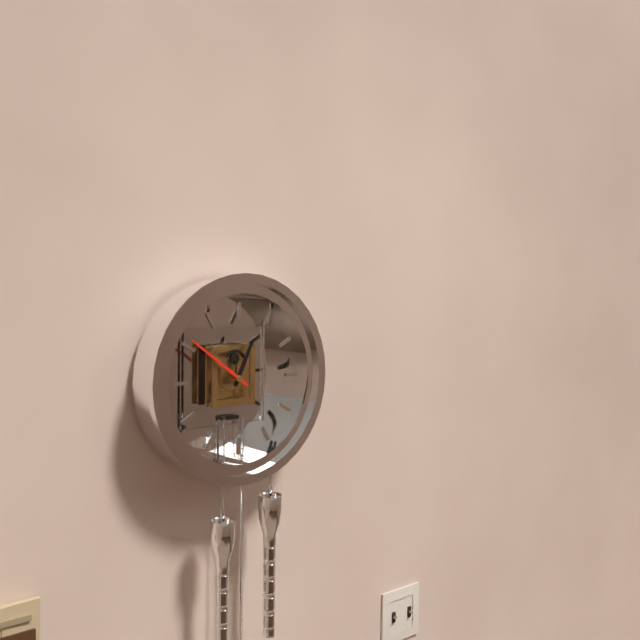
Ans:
12.51
